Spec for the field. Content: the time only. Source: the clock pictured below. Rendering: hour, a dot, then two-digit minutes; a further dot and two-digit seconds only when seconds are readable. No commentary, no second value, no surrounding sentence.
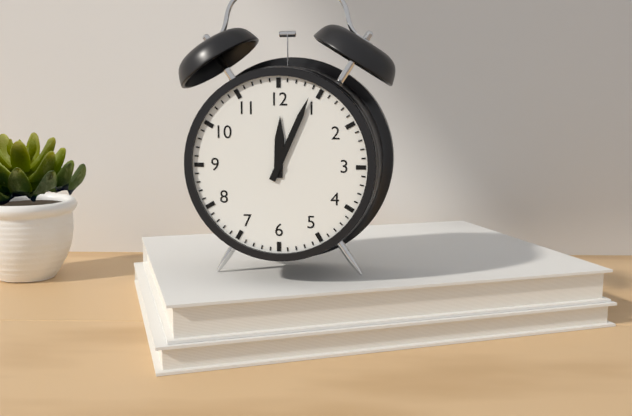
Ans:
12.04
